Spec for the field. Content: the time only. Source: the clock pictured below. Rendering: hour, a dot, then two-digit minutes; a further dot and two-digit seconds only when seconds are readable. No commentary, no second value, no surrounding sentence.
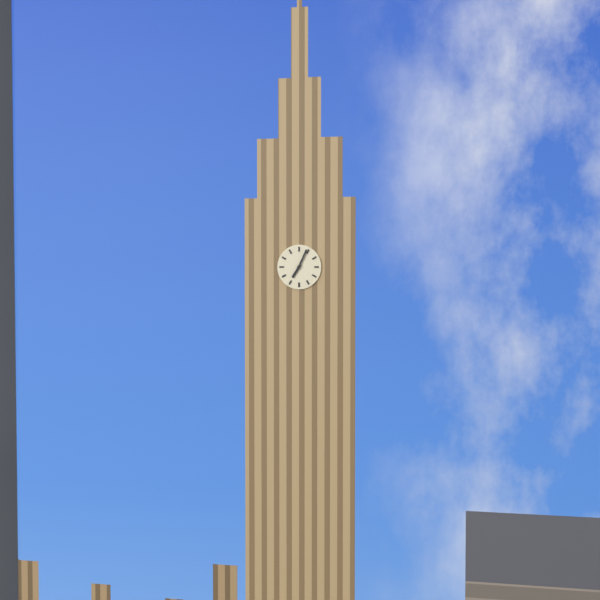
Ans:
7.04
